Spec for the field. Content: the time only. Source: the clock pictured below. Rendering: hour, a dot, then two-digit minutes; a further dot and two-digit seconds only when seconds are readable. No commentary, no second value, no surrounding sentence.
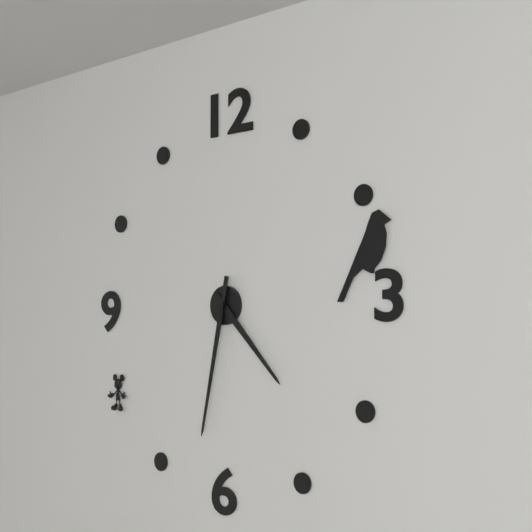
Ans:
4.32
